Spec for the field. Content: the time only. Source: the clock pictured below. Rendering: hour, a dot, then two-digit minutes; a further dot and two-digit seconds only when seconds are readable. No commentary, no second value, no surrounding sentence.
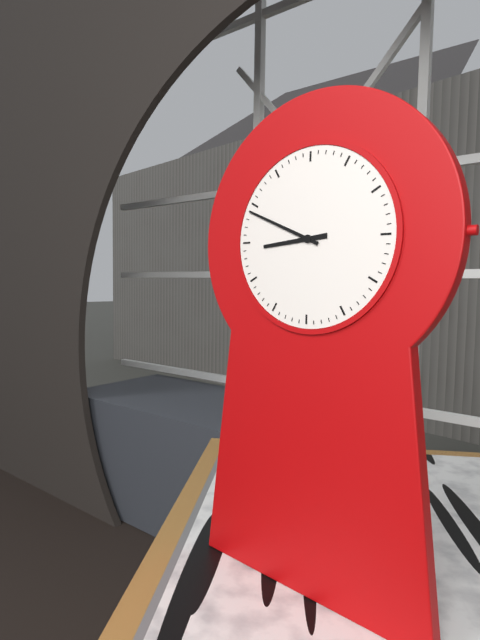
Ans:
8.49
